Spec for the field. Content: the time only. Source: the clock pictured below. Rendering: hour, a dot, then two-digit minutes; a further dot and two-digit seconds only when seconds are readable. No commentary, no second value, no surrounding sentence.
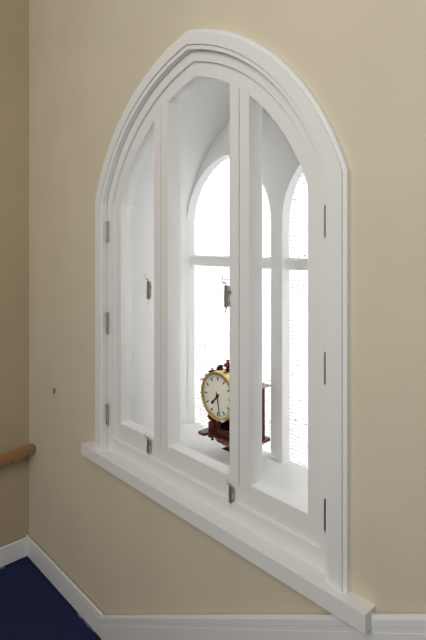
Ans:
7.28
